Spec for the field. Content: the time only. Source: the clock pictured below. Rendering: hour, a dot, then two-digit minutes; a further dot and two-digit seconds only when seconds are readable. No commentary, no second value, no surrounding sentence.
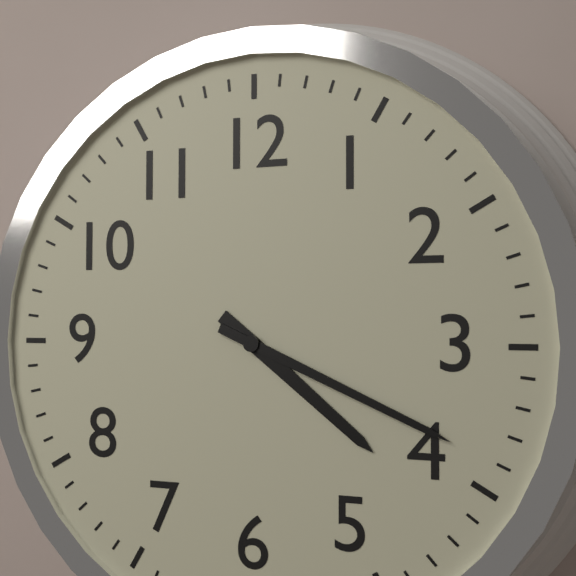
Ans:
4.19
